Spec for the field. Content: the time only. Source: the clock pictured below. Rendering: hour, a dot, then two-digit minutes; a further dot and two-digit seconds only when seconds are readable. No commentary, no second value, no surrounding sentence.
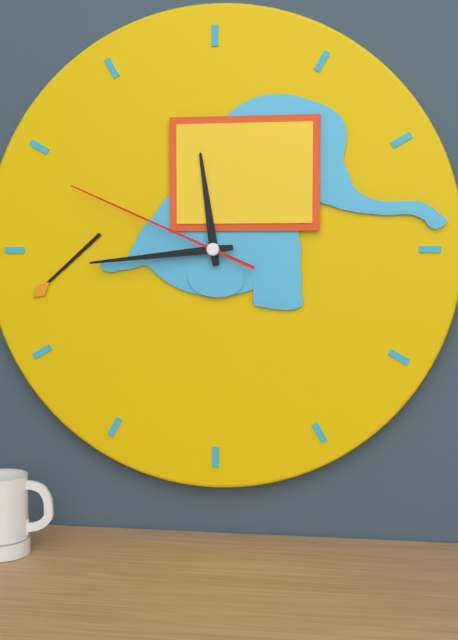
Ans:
11.44.49
